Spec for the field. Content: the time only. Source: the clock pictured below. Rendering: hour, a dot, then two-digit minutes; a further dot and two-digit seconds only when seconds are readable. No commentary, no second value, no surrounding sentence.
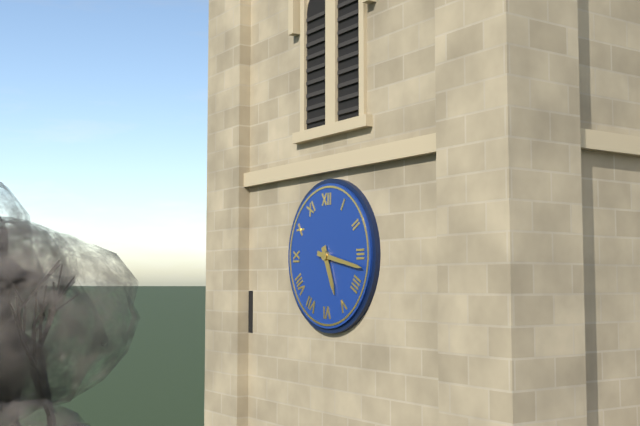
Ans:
5.17
